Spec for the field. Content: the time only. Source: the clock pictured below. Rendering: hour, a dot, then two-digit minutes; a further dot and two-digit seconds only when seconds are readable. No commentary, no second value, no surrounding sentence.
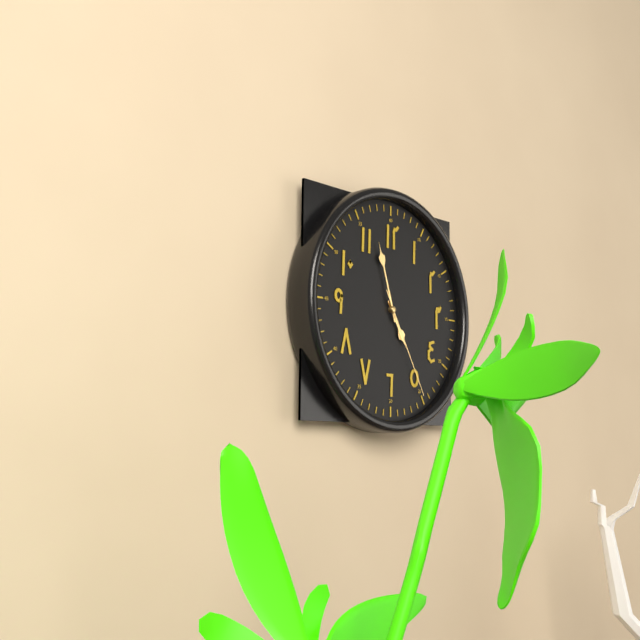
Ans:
4.57.25
